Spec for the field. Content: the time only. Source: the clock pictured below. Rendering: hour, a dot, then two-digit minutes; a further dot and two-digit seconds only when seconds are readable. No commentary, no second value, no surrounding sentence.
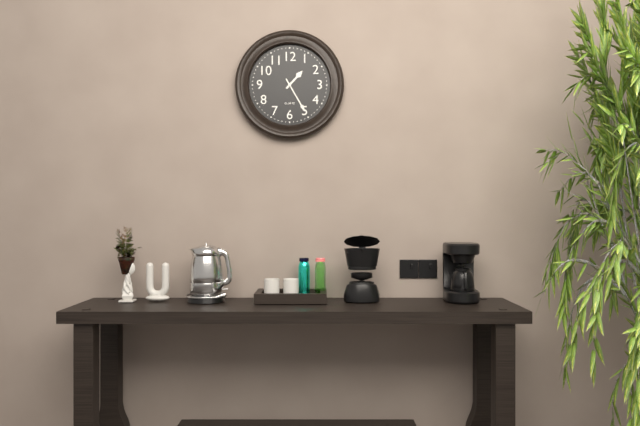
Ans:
1.25
